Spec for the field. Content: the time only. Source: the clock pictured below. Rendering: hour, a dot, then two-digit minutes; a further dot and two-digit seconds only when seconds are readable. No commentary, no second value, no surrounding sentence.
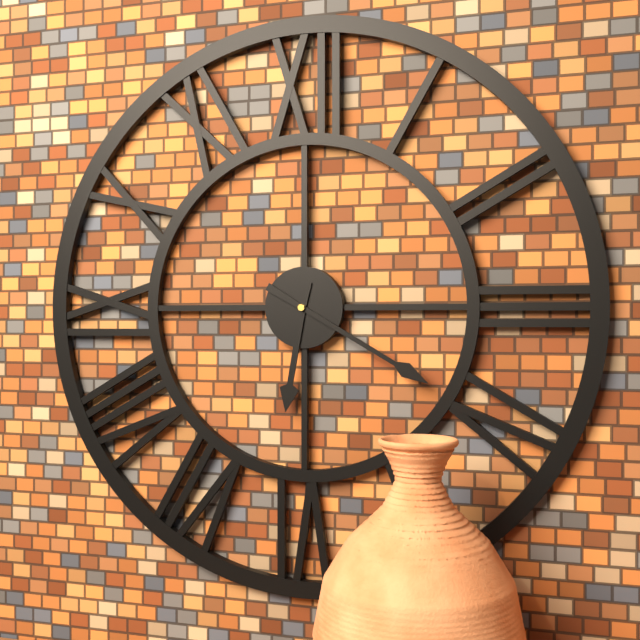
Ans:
6.20
